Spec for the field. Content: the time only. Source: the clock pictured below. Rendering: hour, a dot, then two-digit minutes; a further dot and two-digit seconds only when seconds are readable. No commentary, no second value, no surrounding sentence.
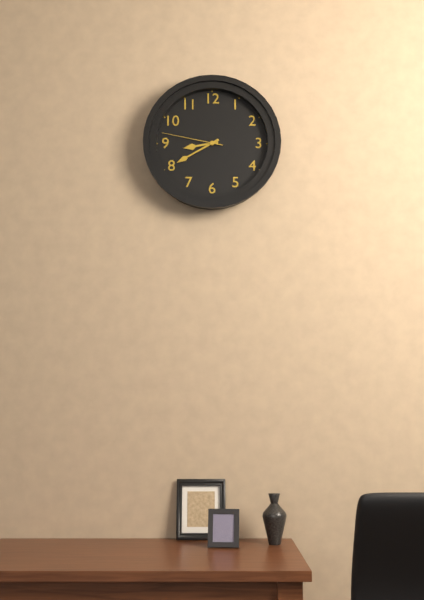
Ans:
8.40.47
